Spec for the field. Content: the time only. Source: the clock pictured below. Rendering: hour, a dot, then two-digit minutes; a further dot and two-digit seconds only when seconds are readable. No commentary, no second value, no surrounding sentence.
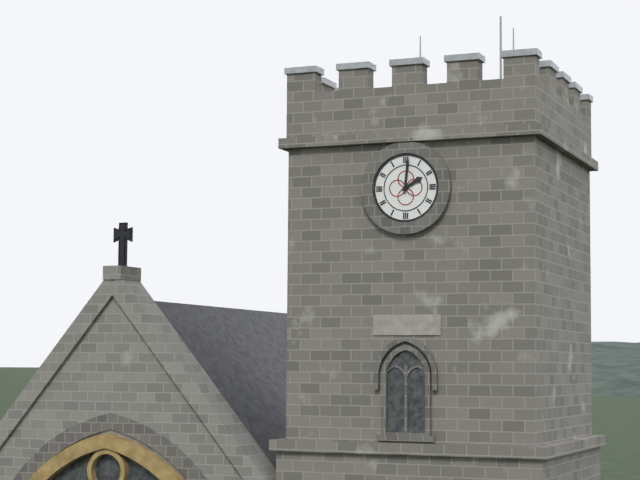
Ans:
2.01
